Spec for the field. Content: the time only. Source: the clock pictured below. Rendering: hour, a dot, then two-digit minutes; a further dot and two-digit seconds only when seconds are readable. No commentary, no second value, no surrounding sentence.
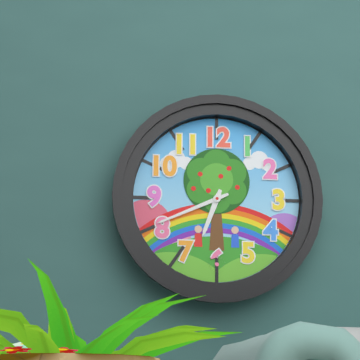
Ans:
6.41
